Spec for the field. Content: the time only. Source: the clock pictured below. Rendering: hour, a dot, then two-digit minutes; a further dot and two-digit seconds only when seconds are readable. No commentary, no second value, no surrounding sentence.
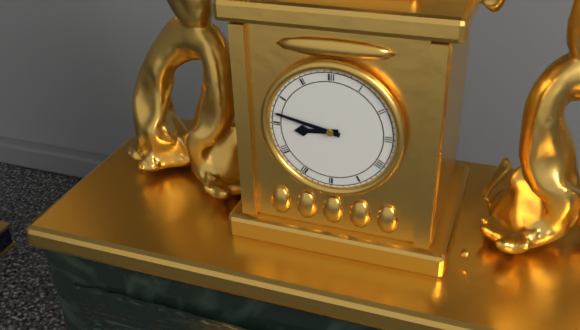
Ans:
8.47
